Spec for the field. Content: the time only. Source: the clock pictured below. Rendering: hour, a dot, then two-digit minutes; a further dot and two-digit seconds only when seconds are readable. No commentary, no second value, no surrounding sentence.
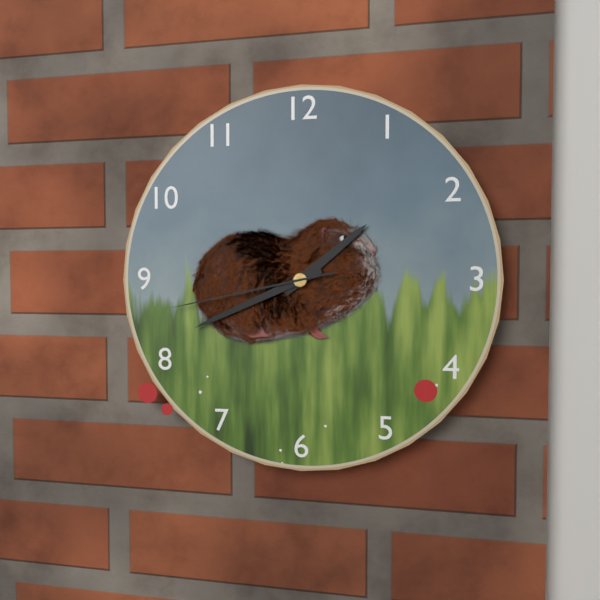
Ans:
1.41.43
